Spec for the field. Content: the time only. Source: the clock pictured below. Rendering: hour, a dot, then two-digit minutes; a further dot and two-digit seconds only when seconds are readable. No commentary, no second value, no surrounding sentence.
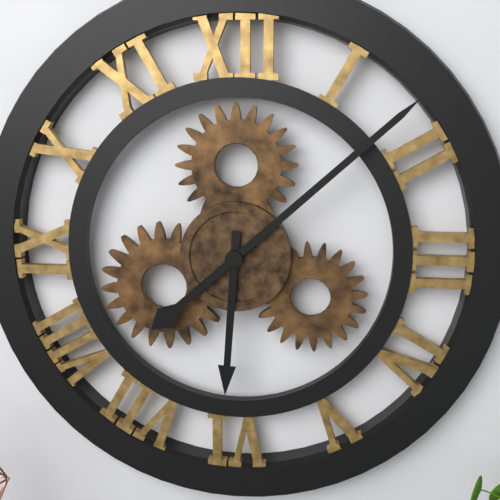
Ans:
6.08
